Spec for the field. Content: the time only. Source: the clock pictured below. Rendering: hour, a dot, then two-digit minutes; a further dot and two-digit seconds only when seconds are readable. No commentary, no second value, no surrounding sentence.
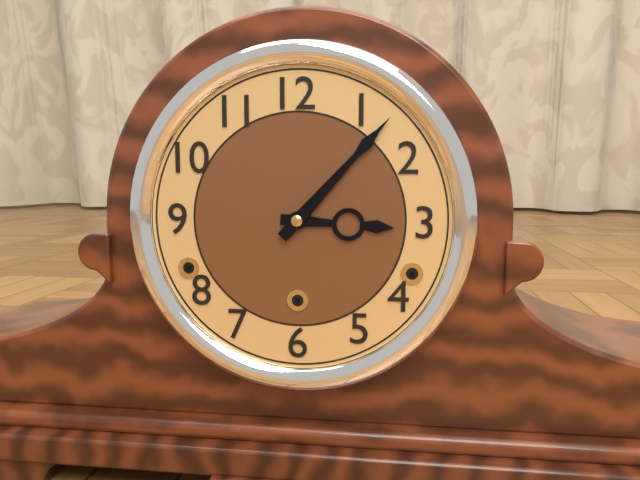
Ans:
3.07
